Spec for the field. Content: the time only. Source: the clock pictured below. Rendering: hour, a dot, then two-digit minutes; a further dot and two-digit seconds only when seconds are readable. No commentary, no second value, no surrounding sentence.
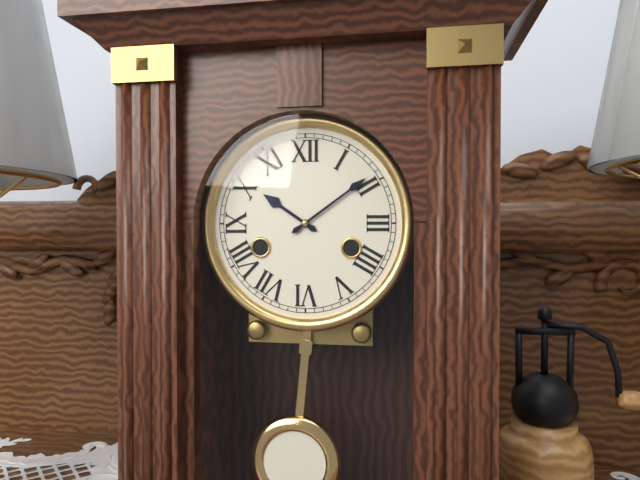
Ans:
10.09
